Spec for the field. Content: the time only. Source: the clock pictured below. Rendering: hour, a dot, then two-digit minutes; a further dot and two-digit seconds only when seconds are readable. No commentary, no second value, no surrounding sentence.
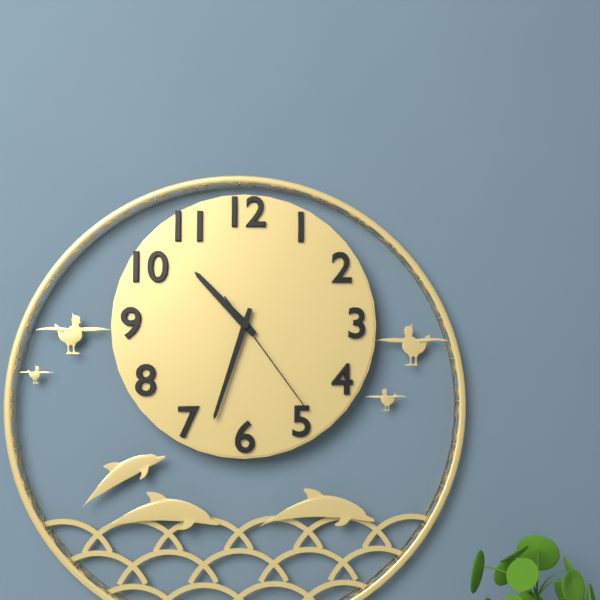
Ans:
10.33.24
